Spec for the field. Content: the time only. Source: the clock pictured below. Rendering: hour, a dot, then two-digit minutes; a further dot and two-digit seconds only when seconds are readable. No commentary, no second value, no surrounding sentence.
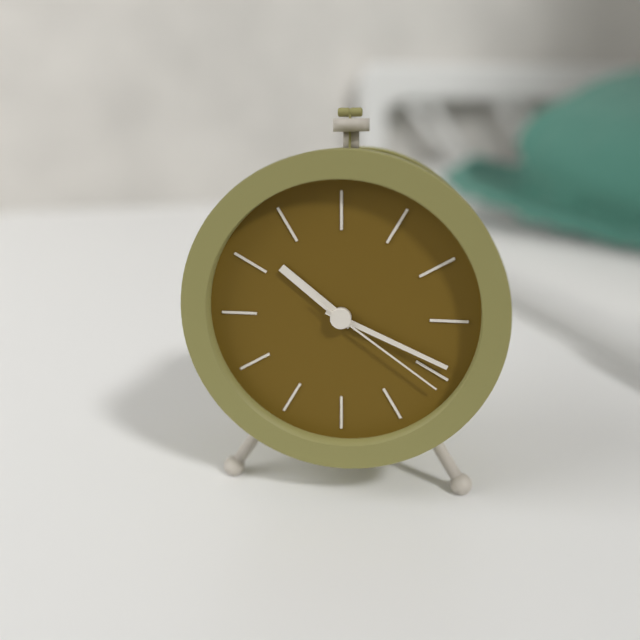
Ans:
10.19.21
